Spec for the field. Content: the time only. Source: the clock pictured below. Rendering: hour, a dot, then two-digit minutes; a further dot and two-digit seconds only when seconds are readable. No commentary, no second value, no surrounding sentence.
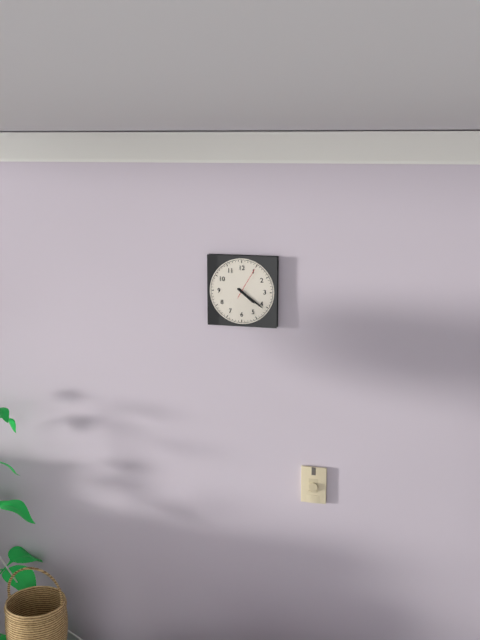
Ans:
4.21
